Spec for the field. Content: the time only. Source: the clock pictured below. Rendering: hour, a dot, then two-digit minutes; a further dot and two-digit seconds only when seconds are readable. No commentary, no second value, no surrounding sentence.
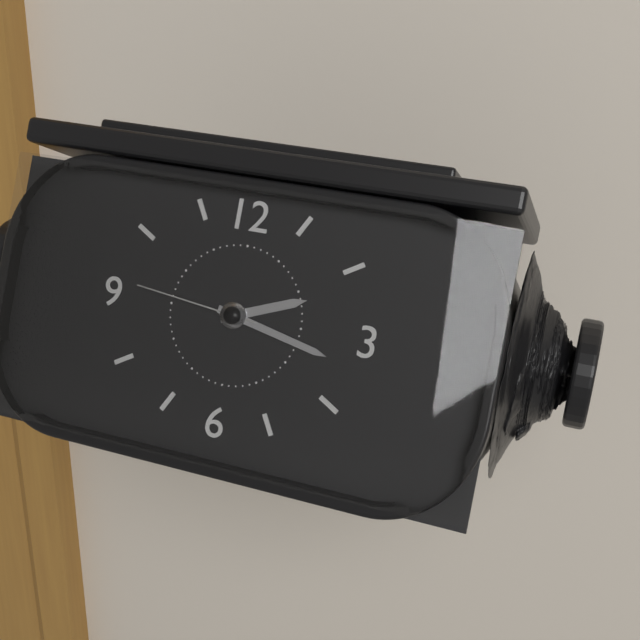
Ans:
2.17.46
